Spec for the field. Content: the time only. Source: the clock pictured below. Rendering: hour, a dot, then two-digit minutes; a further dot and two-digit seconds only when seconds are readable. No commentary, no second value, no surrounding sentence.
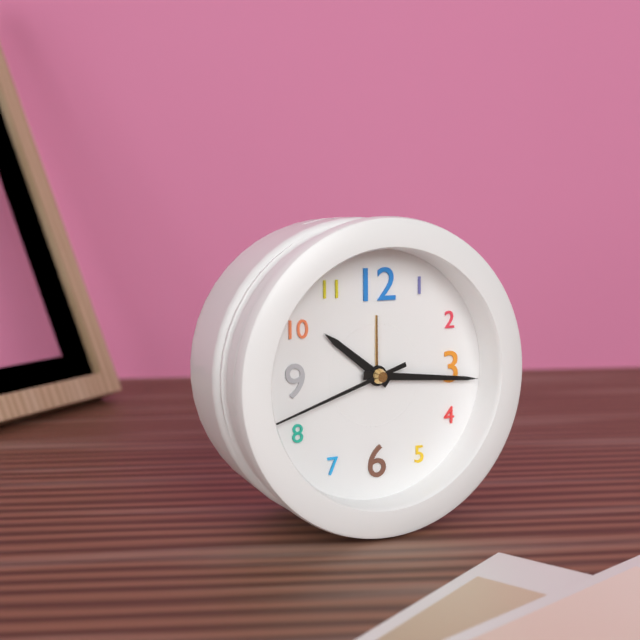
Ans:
10.16.42
